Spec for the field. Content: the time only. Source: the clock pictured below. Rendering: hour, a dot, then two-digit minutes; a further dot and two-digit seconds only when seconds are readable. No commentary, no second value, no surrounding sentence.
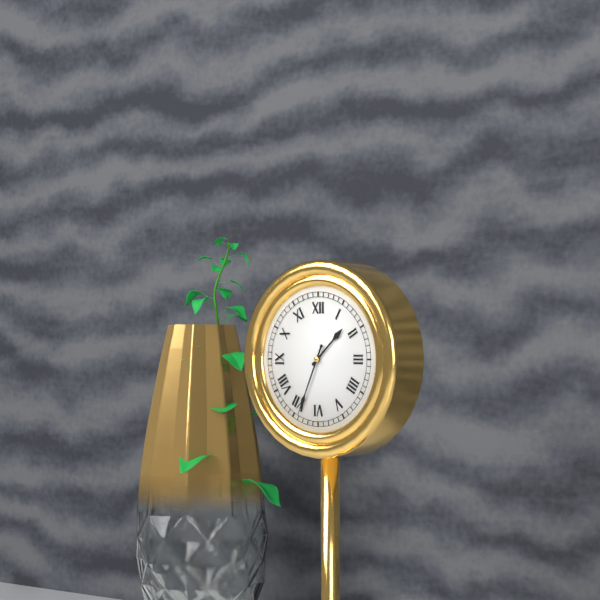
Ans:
1.34
